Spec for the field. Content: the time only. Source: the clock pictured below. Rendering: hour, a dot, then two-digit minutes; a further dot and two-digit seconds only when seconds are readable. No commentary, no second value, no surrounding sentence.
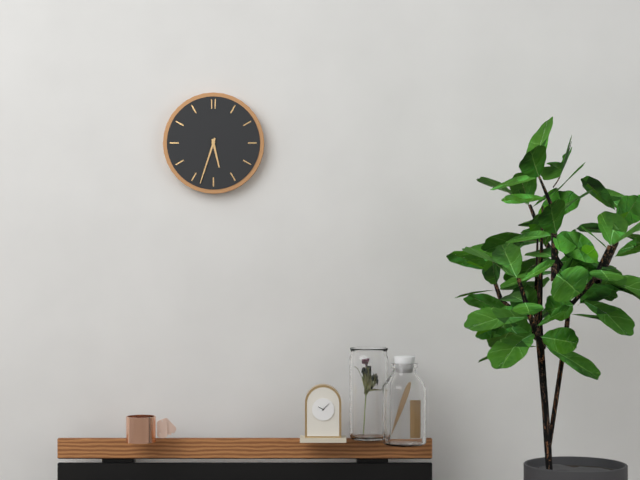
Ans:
5.33
